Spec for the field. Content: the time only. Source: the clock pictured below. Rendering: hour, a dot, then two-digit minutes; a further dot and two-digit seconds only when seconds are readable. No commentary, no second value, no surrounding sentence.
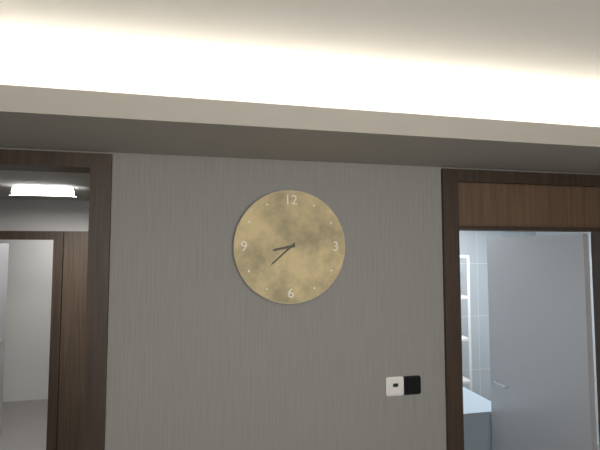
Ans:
8.38
